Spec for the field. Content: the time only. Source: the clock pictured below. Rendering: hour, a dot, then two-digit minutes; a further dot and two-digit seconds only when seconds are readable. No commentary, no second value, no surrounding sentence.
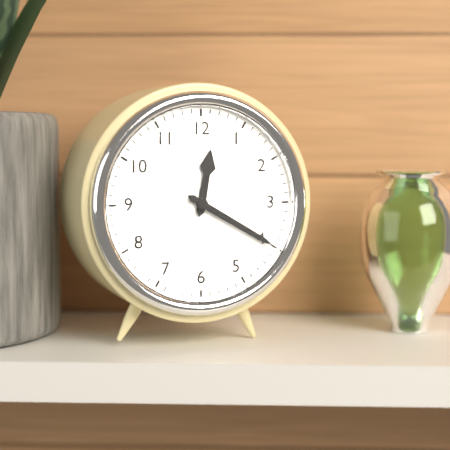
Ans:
12.20
